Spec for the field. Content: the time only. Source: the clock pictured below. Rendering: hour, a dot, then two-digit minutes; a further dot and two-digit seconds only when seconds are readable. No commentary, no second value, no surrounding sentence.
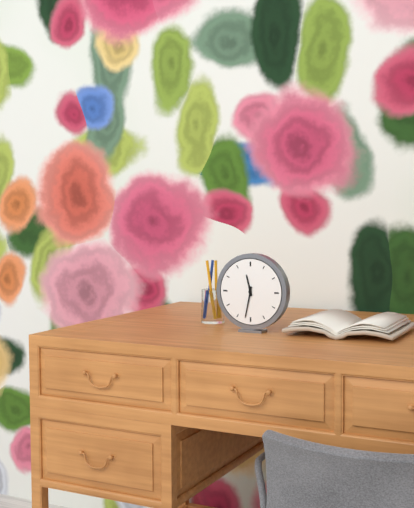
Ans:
11.32
